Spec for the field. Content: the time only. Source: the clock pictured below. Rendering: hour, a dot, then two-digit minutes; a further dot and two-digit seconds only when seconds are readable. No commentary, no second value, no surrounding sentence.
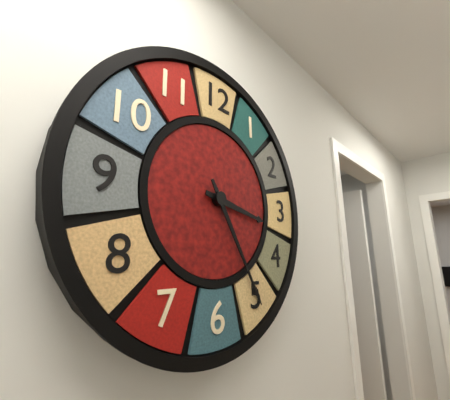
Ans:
3.25
